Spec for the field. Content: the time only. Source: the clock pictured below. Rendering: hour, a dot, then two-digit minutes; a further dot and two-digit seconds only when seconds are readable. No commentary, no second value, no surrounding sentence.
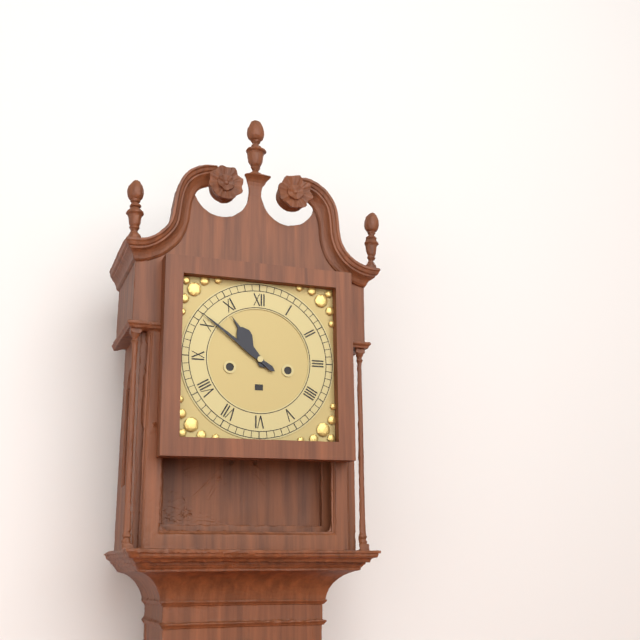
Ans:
10.51
